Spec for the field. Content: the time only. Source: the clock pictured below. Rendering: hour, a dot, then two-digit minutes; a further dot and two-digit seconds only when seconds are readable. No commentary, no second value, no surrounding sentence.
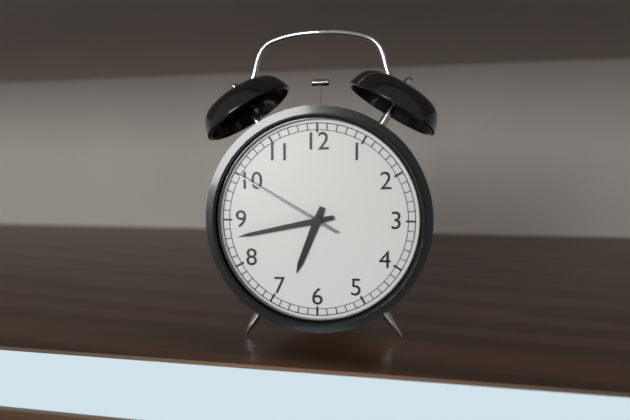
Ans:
6.43.50
